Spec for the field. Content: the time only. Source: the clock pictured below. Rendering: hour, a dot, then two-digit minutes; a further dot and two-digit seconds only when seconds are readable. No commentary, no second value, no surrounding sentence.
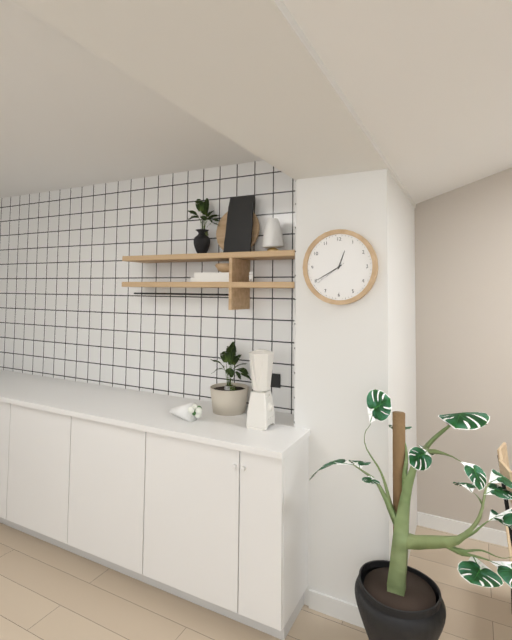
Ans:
12.40
